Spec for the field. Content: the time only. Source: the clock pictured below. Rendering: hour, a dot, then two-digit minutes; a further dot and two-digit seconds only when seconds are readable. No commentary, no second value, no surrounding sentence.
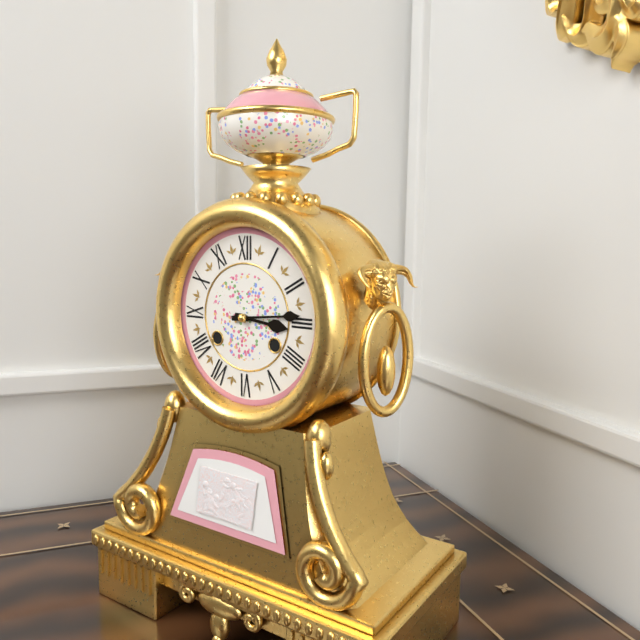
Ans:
3.14
